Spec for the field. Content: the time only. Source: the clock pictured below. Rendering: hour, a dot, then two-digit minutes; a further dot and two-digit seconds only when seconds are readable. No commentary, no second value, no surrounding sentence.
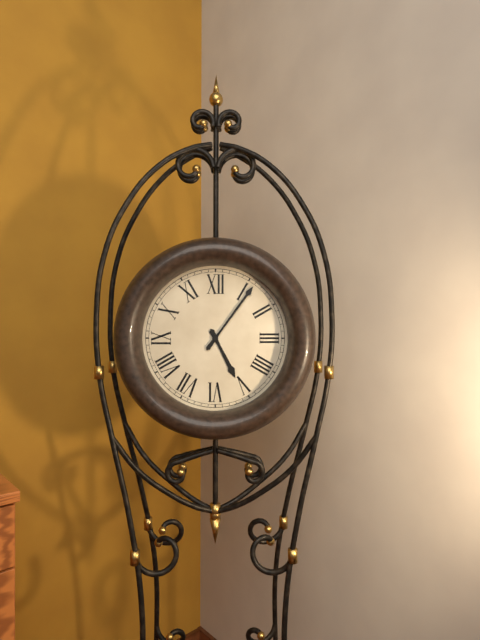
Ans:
5.06
